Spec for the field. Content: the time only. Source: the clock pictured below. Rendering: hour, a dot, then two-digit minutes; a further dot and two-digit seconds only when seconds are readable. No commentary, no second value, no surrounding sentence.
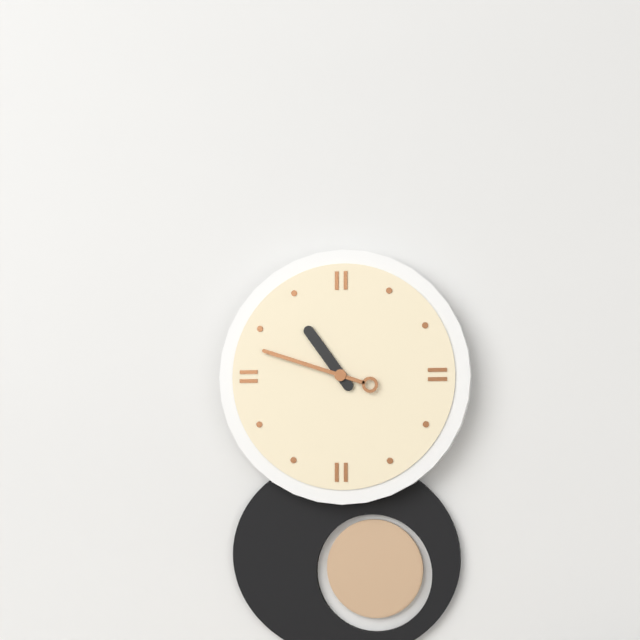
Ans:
10.48
